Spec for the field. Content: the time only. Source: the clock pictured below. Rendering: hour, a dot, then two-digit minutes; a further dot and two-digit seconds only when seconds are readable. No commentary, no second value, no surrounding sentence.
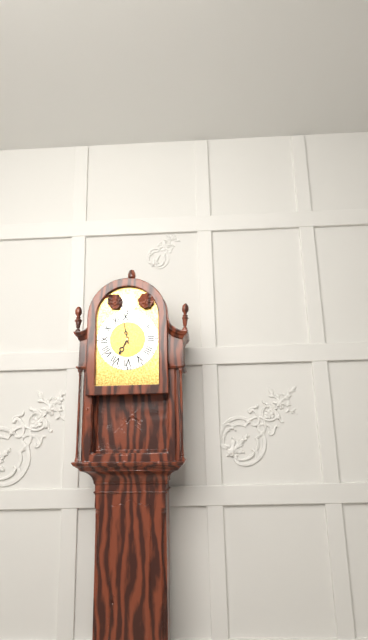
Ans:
6.58
